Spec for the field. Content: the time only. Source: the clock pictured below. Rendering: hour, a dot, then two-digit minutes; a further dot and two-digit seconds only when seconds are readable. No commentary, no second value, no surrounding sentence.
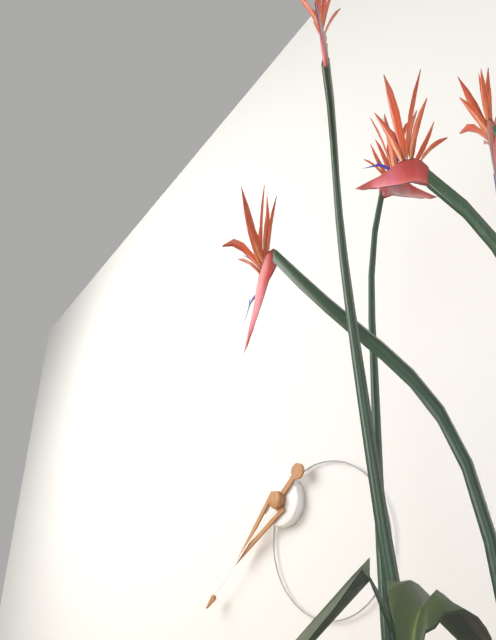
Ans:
7.38
